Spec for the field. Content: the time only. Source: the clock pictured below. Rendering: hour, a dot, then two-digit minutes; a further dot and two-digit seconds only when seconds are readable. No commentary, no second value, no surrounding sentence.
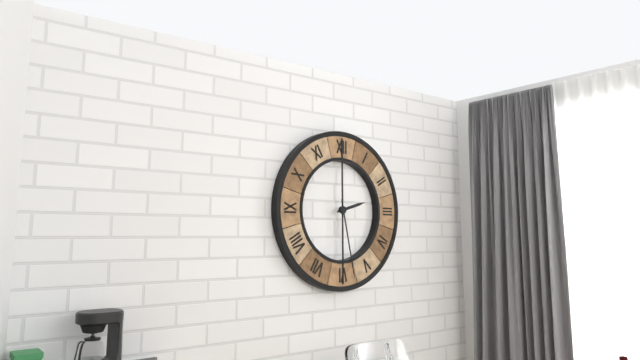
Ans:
2.28
